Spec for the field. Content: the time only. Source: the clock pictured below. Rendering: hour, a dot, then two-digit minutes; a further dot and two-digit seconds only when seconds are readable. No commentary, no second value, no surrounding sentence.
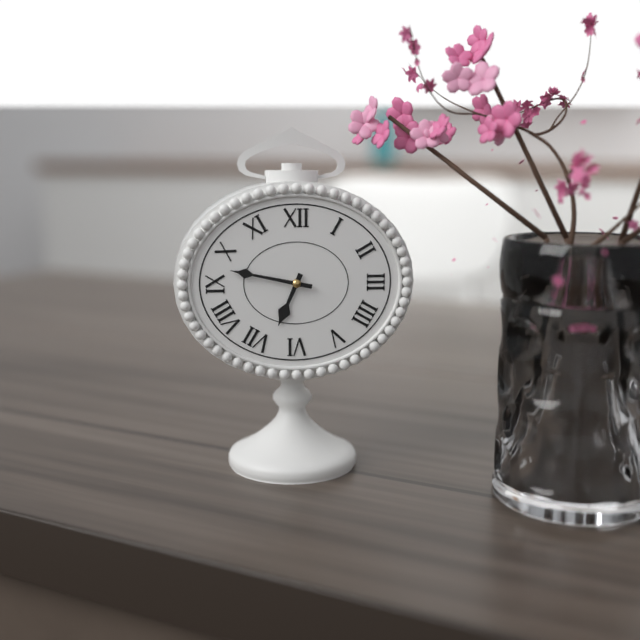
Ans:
6.47
